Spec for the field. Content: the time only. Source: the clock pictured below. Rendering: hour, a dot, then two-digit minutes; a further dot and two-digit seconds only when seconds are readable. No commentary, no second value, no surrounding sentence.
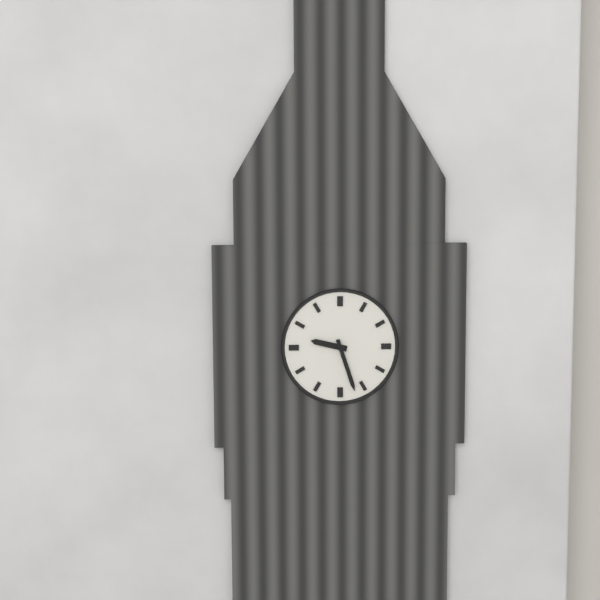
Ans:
9.27
